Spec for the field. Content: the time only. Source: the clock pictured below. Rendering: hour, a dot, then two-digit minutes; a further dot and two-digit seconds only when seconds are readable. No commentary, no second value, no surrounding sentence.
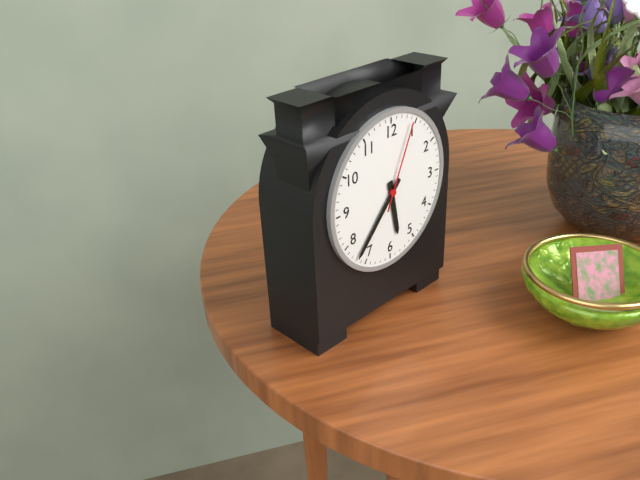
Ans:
5.37.04
